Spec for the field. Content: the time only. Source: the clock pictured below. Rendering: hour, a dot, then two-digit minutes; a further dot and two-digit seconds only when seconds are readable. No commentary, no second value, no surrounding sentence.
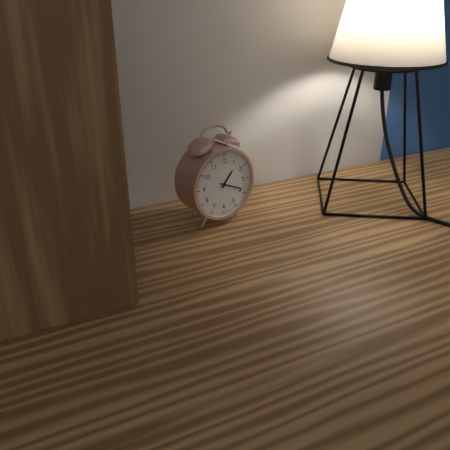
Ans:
1.19
